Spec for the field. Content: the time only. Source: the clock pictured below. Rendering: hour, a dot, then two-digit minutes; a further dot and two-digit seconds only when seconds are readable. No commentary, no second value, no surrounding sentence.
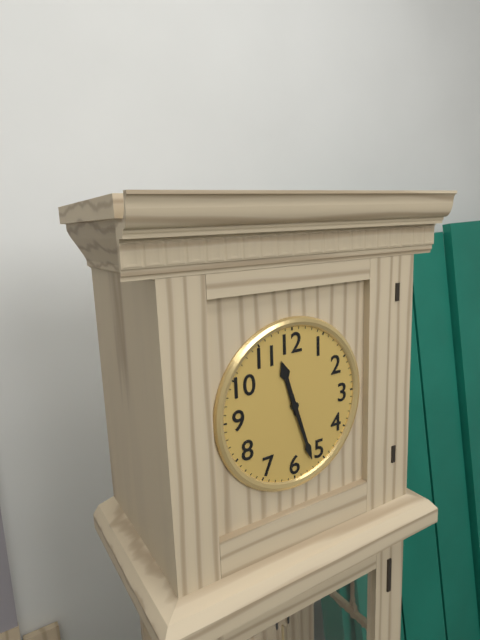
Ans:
11.27
